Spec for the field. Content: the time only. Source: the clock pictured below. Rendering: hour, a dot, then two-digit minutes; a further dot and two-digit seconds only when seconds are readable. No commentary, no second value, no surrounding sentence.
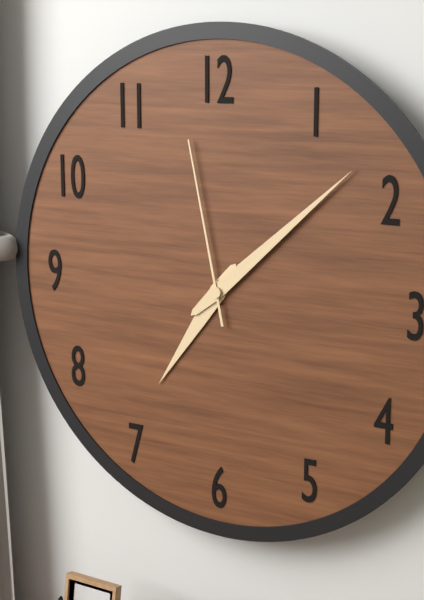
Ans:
7.08.58
